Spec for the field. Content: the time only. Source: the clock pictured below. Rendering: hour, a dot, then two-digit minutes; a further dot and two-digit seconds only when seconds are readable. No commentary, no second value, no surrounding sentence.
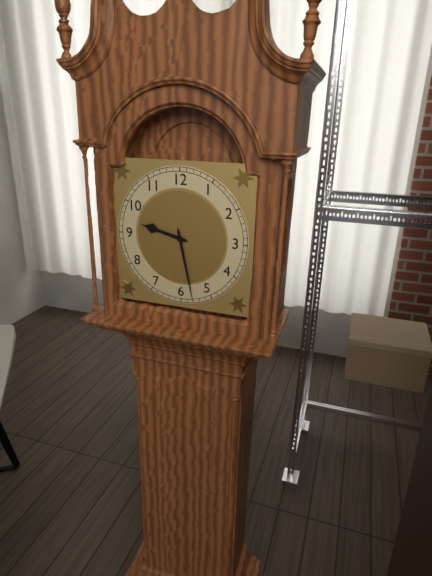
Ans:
9.28
